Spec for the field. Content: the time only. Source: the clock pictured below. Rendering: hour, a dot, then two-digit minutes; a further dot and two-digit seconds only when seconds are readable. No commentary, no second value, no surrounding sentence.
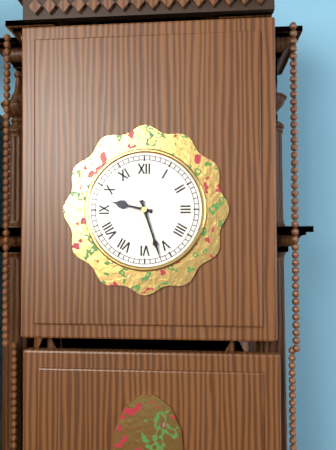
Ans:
9.27
